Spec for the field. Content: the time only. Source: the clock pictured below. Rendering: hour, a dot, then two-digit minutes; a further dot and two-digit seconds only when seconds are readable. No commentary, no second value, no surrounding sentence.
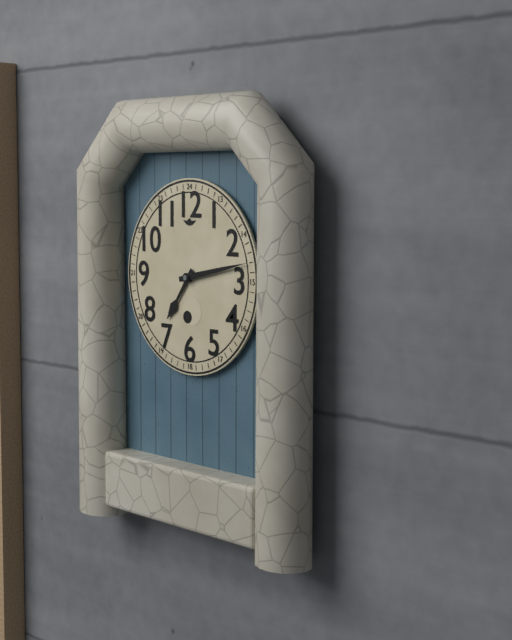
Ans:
7.13
